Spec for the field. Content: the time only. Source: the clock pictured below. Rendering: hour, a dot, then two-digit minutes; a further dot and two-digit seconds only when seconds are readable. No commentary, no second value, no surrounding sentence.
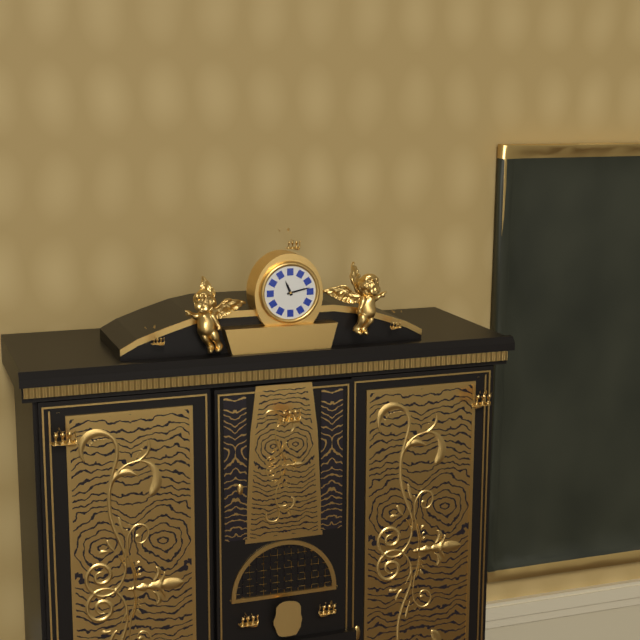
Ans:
11.13
